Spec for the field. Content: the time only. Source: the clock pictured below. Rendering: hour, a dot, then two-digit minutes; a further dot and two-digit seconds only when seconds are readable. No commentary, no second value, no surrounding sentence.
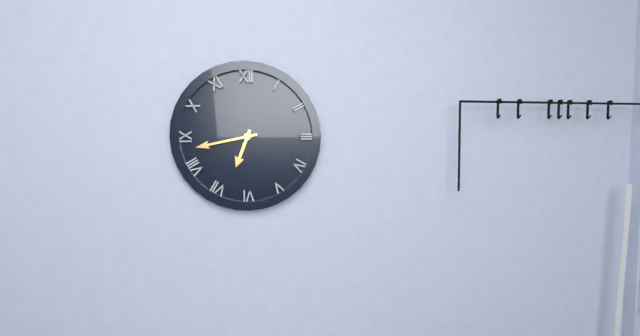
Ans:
6.43
